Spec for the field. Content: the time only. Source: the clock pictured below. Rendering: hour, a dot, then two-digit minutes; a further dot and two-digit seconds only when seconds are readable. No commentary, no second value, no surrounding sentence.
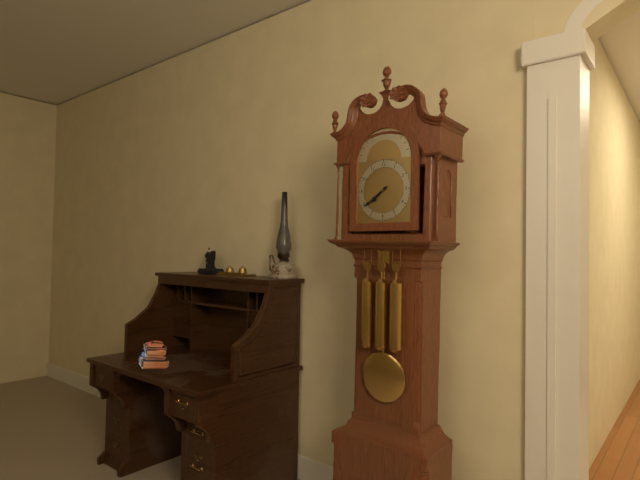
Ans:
7.39
